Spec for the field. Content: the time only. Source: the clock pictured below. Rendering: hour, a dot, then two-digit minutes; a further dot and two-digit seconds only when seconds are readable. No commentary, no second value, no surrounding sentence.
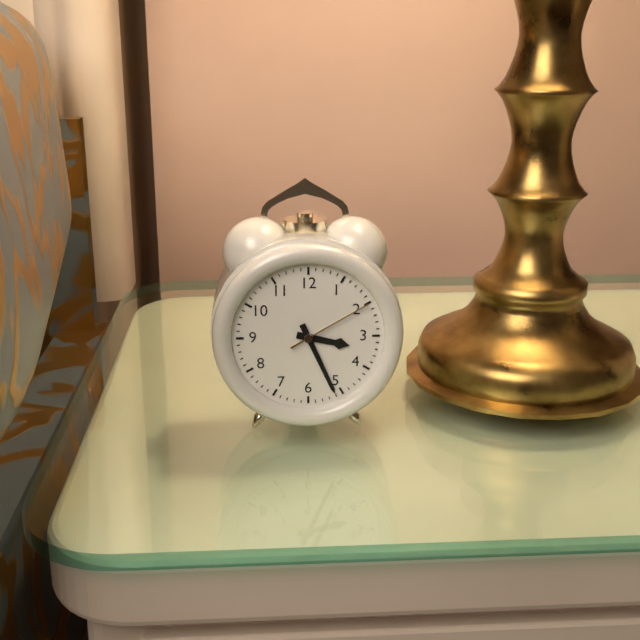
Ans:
3.26.10
